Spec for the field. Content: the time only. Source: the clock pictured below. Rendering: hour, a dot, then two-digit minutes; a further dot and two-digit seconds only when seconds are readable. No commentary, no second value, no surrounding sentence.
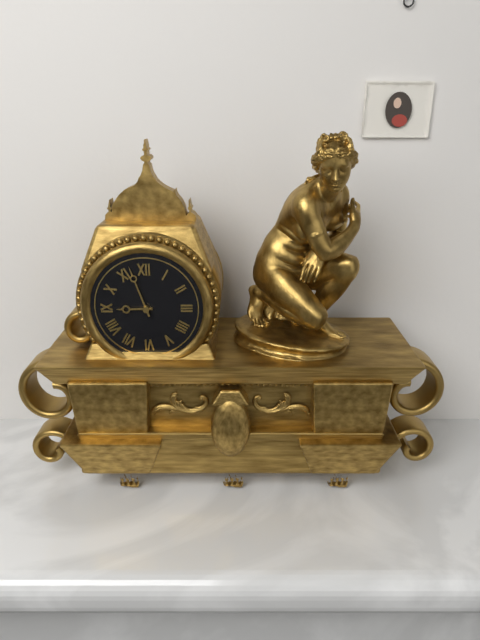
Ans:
8.57
